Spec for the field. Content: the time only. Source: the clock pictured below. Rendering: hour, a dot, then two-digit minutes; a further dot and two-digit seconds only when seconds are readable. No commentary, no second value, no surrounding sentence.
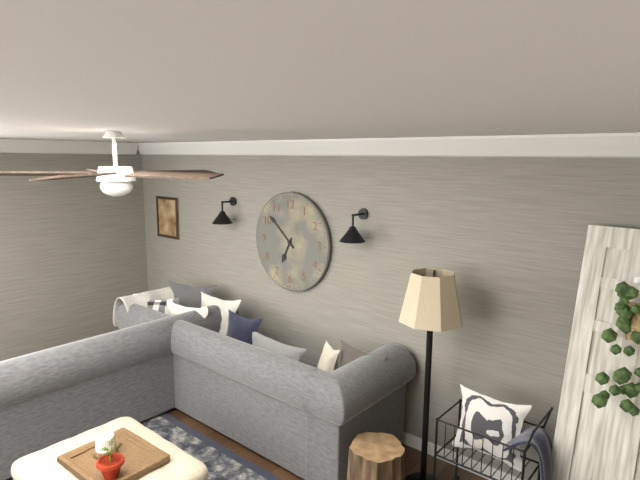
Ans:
6.52
